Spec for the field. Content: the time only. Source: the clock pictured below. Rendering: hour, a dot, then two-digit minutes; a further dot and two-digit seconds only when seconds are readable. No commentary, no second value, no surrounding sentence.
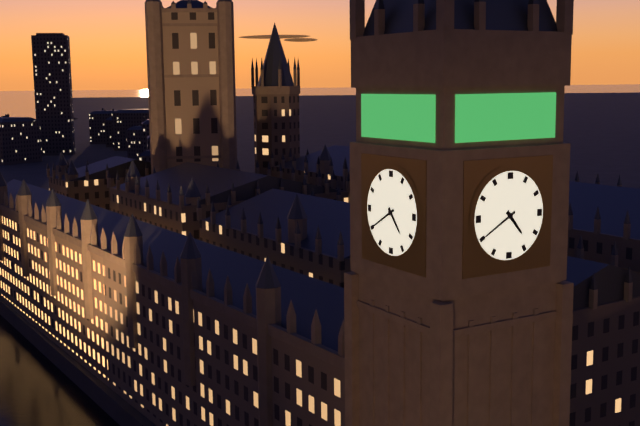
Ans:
4.40
